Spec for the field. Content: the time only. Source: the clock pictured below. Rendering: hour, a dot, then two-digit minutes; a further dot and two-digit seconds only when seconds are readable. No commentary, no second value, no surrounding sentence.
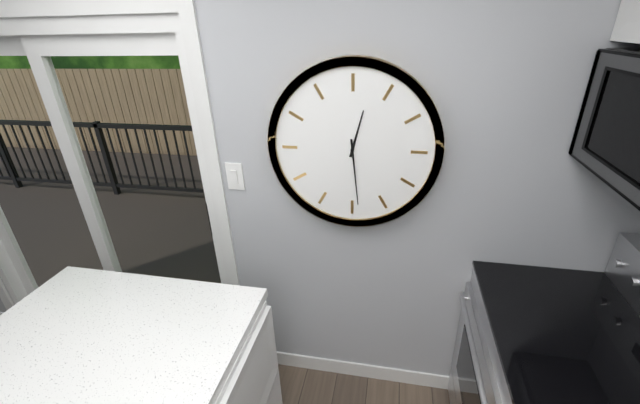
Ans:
12.29
